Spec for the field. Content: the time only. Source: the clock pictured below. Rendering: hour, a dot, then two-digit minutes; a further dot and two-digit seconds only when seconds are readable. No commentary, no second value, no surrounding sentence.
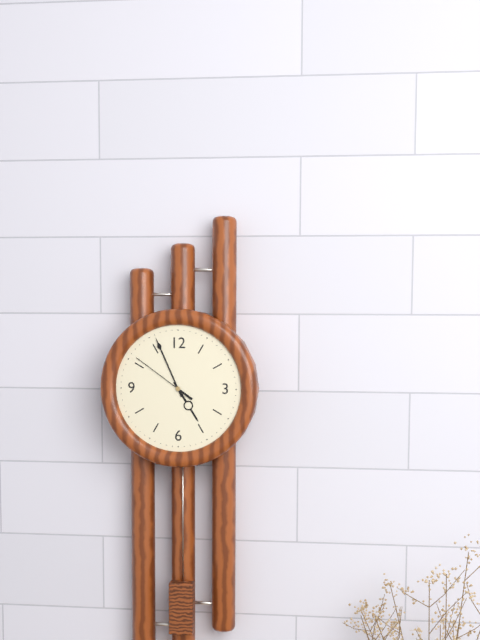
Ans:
4.56.51
